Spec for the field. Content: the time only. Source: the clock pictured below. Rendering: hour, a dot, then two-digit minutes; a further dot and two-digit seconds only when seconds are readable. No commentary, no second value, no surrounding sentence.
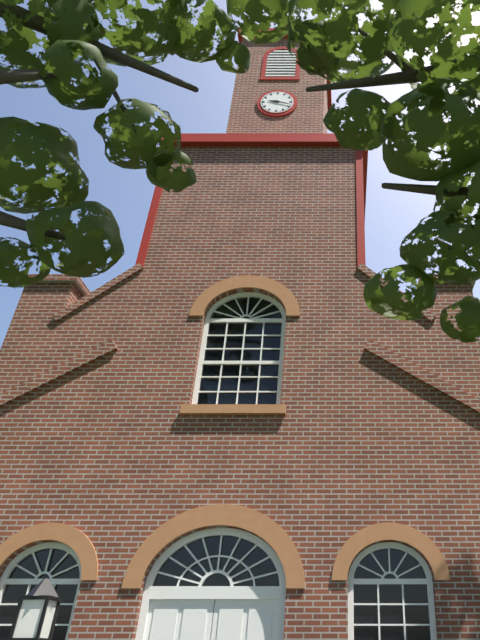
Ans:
9.18
